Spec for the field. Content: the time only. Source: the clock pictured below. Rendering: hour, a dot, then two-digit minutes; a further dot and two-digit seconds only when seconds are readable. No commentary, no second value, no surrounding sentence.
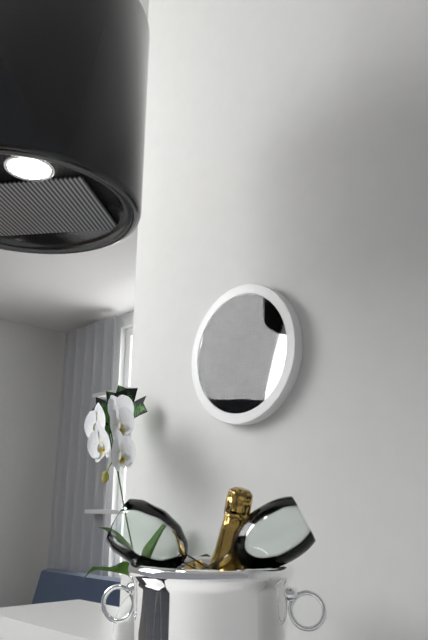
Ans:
6.46
